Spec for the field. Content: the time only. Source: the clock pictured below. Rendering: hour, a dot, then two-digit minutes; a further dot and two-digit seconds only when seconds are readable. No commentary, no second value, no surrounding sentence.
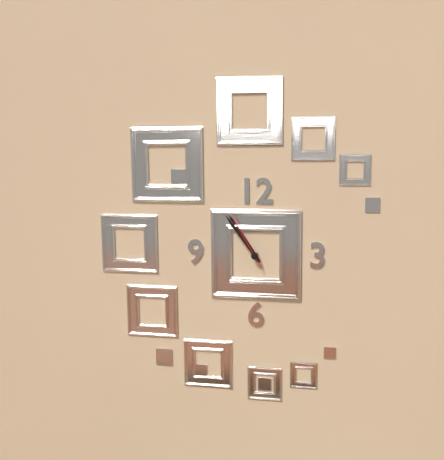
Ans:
10.54.55
